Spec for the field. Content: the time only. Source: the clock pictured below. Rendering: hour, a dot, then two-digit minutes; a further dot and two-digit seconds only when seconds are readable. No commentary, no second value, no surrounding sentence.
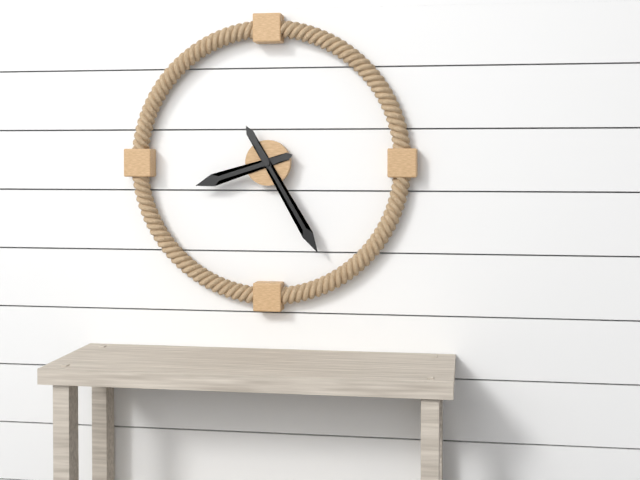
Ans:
8.25
